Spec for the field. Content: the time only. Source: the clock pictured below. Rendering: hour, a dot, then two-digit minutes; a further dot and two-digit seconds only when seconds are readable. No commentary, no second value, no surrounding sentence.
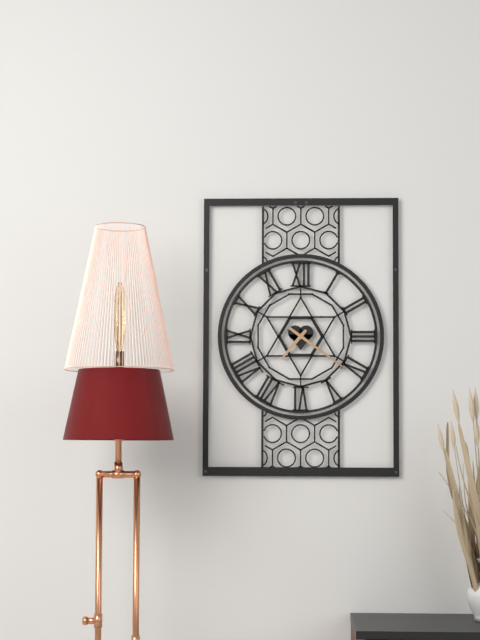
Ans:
7.21
